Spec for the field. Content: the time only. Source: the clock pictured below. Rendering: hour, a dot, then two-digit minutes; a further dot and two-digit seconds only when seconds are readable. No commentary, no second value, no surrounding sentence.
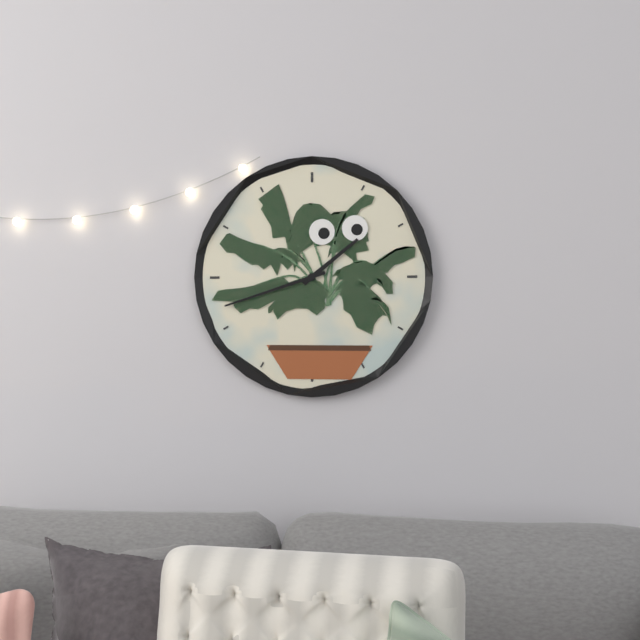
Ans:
1.42
